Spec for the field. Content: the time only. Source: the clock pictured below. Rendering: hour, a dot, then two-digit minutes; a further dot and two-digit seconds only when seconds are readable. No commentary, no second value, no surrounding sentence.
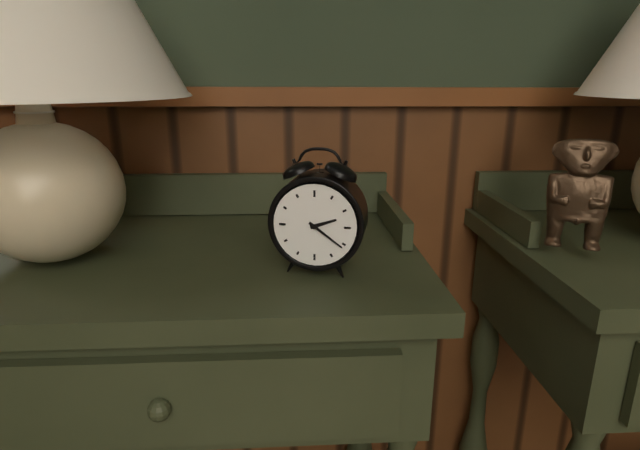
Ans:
2.21
